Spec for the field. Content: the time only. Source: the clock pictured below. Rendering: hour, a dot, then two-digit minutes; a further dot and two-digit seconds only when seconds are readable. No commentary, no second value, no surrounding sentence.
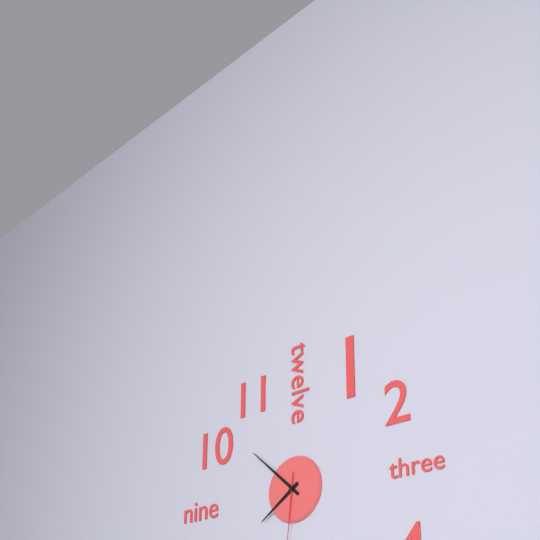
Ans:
7.52
